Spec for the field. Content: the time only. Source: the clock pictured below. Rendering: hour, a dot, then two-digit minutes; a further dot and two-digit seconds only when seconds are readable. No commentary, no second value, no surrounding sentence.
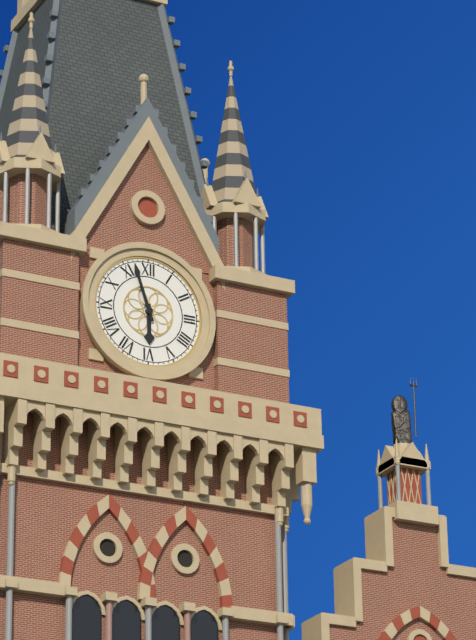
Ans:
5.57
